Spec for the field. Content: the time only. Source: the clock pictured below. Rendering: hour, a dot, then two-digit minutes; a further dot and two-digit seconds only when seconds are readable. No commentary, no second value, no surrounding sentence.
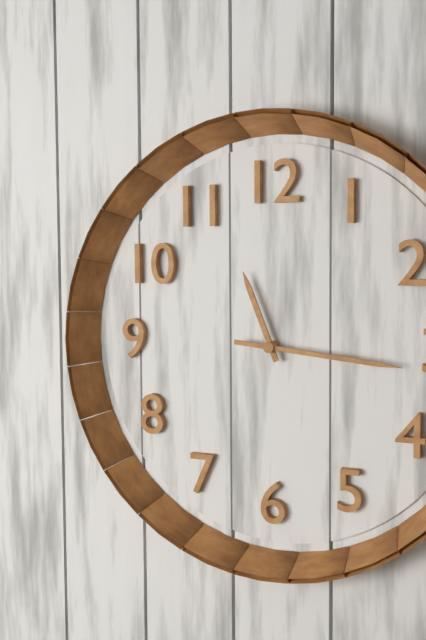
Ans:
11.16
